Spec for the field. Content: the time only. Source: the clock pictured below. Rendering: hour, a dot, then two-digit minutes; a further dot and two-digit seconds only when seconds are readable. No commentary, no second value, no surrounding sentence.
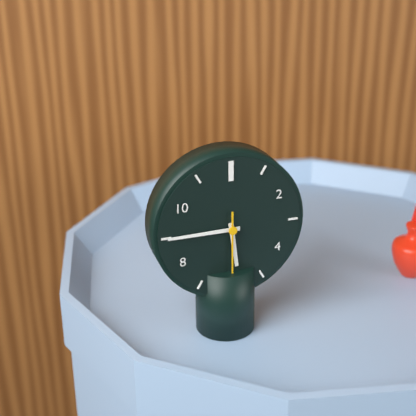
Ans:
5.45.30
